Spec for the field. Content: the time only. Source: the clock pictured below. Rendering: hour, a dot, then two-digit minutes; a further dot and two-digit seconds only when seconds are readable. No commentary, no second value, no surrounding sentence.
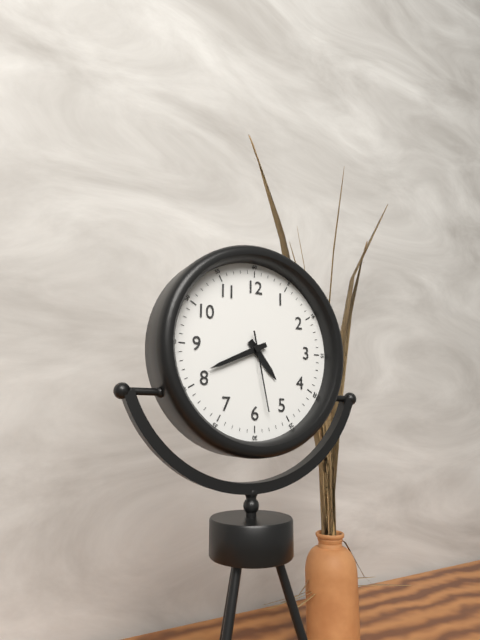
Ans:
4.41.28
